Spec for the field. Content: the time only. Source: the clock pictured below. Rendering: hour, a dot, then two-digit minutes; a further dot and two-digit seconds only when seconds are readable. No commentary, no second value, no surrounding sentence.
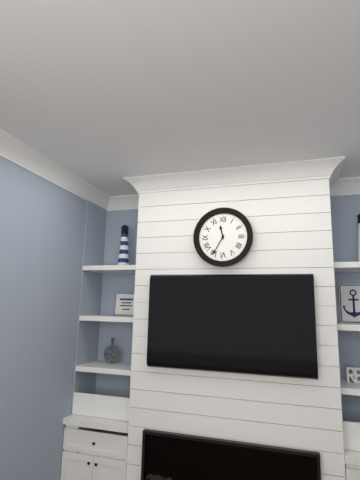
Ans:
11.35
